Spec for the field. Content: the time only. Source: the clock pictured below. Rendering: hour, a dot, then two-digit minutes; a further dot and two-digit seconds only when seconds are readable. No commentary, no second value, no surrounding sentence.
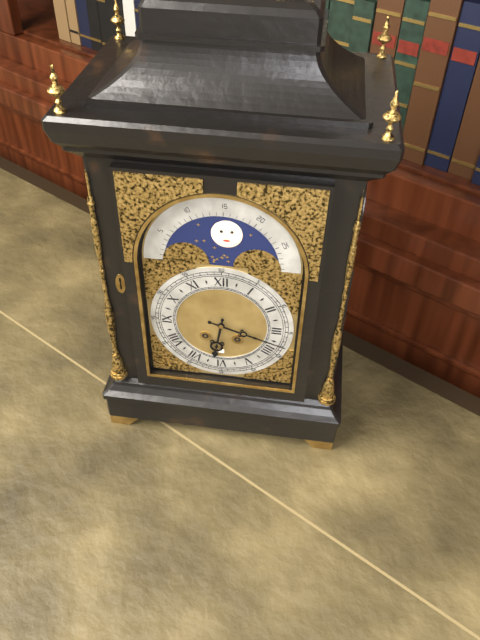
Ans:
6.18
